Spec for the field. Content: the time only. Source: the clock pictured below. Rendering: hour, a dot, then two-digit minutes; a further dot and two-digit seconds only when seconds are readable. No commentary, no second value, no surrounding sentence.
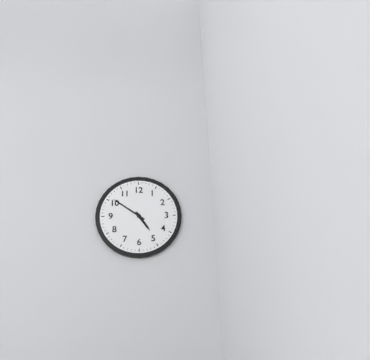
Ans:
4.51
